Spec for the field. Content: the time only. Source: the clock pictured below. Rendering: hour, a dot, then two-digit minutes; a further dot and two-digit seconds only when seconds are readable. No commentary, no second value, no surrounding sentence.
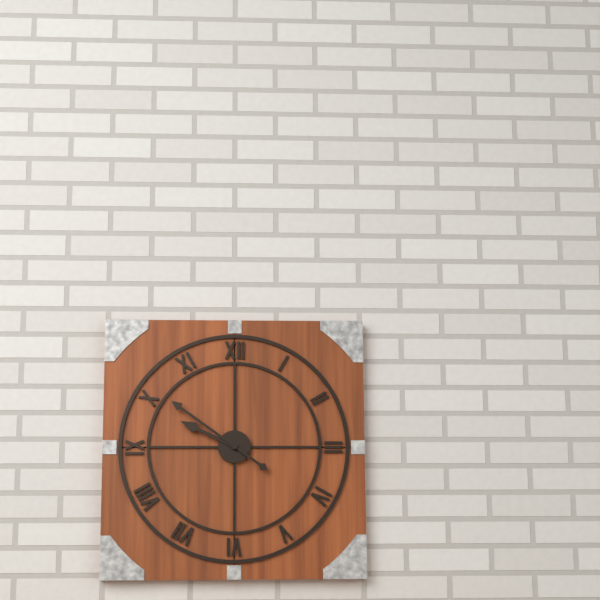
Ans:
9.51
